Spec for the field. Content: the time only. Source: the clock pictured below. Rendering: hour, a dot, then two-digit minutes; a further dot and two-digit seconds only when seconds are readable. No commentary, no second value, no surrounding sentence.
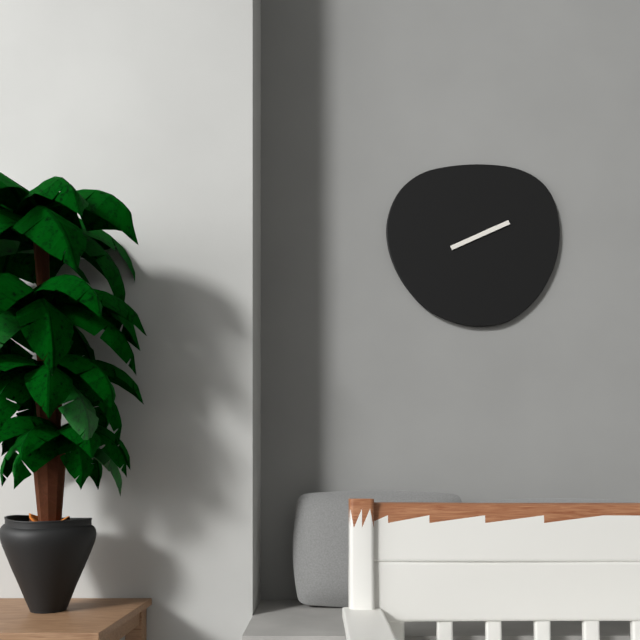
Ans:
2.11
